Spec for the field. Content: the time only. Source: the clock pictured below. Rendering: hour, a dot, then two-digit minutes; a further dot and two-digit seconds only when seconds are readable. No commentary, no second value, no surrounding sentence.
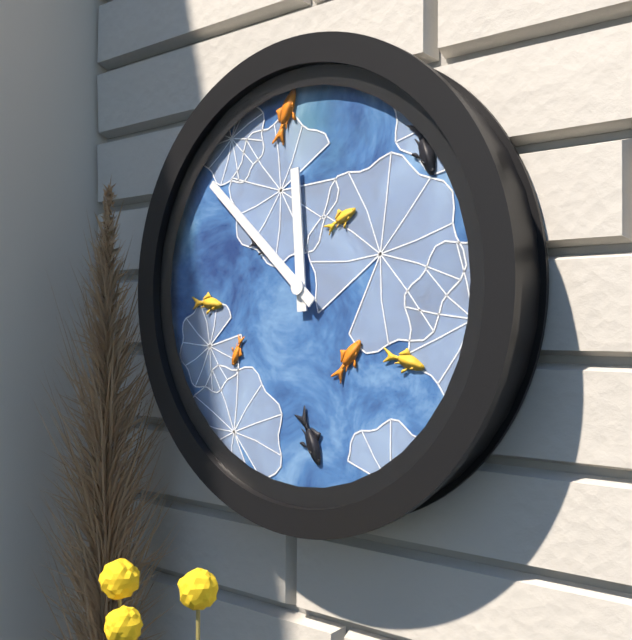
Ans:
11.52
